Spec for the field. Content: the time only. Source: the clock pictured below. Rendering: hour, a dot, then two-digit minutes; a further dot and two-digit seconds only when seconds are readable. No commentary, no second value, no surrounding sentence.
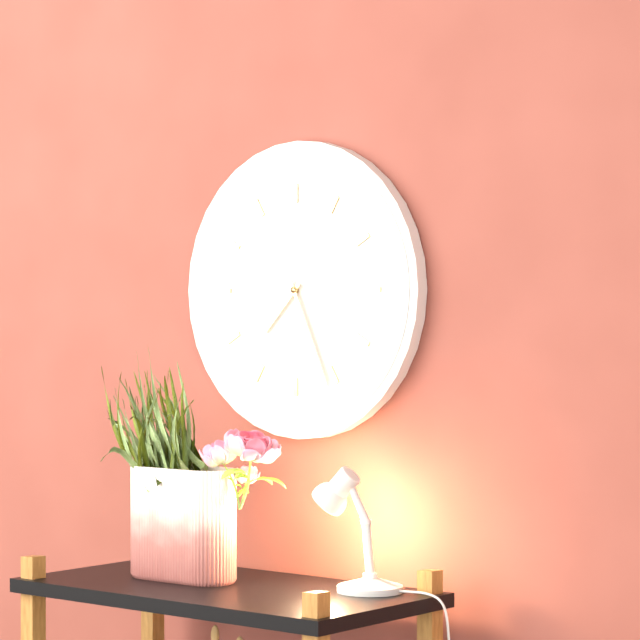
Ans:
7.26
